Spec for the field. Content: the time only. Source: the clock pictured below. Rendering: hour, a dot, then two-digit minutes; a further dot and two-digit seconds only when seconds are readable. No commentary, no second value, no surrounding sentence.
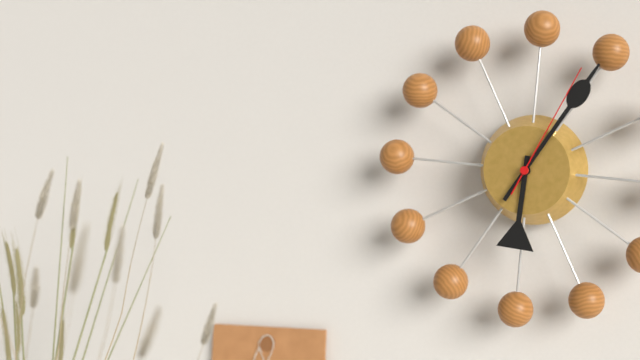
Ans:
6.05.04
